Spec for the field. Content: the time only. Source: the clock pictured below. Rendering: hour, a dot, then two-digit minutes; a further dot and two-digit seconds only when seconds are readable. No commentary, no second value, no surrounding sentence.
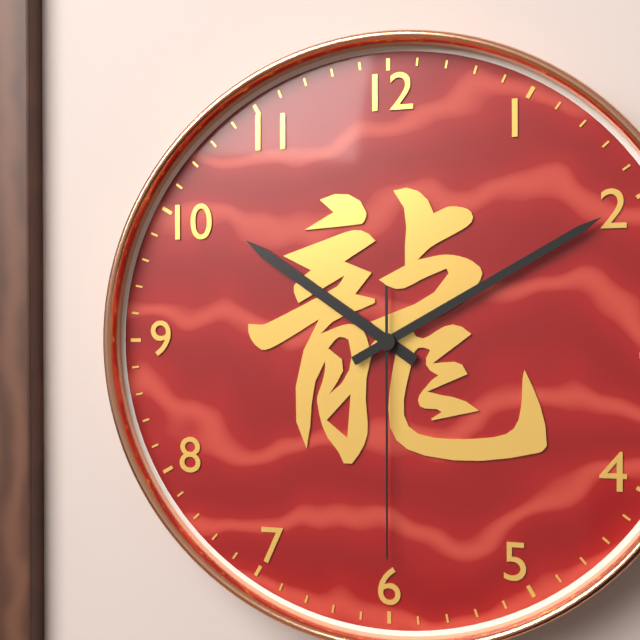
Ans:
10.10.30
